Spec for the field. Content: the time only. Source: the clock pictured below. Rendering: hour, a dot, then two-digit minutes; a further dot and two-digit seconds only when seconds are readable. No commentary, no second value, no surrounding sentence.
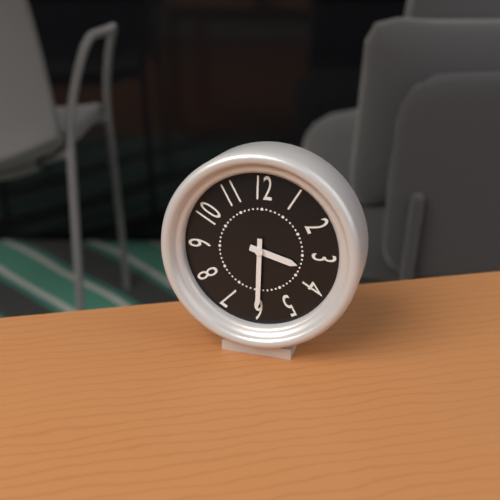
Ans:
3.30
